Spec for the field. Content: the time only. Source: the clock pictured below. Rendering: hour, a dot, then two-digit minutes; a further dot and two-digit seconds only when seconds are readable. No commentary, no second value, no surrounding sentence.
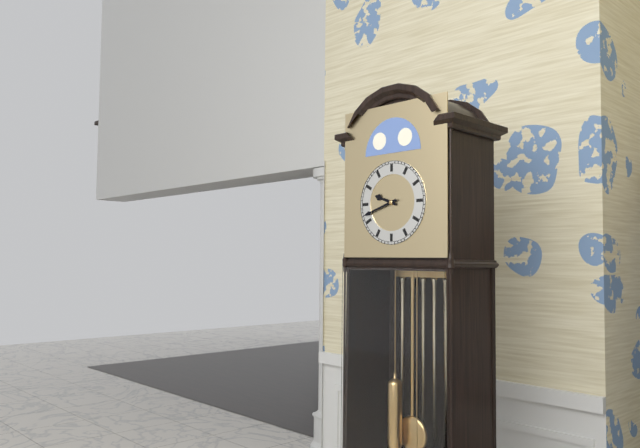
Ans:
9.42
